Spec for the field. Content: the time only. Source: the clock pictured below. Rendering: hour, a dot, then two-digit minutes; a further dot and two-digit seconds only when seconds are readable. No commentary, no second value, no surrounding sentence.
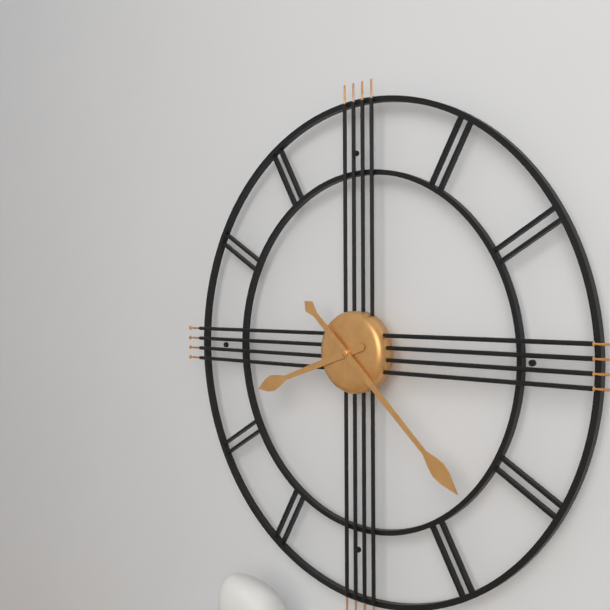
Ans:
8.22
